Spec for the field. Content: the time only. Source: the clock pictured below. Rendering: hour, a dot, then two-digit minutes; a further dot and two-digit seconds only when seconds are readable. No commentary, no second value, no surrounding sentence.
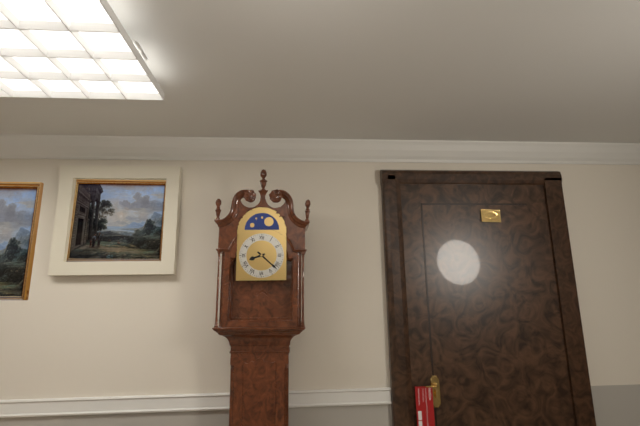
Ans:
8.22
